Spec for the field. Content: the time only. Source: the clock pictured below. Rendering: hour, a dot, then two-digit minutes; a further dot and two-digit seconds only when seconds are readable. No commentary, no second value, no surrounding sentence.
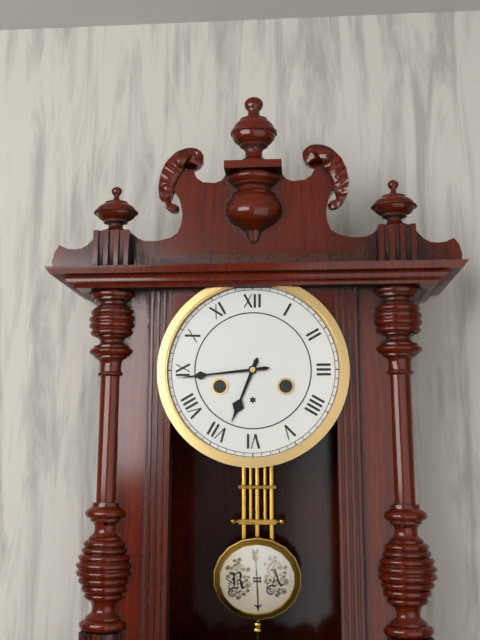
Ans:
6.44
